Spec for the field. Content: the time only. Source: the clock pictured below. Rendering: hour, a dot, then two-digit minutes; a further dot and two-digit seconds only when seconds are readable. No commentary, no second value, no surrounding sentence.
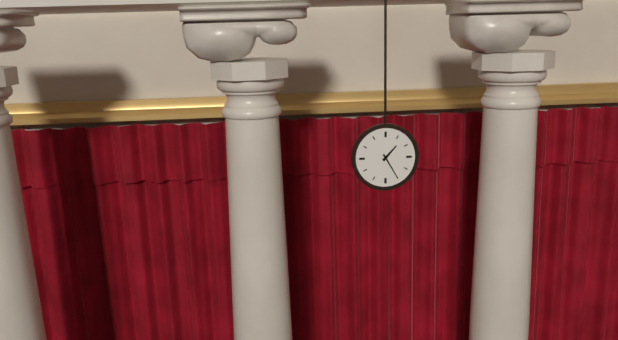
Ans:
1.25
